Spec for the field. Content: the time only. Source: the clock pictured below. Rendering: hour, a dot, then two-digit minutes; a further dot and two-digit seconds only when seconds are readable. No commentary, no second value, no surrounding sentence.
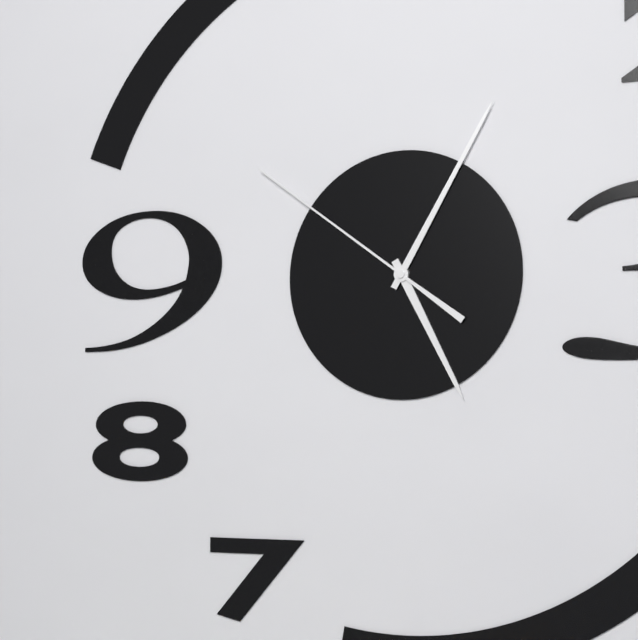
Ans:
5.05.51
